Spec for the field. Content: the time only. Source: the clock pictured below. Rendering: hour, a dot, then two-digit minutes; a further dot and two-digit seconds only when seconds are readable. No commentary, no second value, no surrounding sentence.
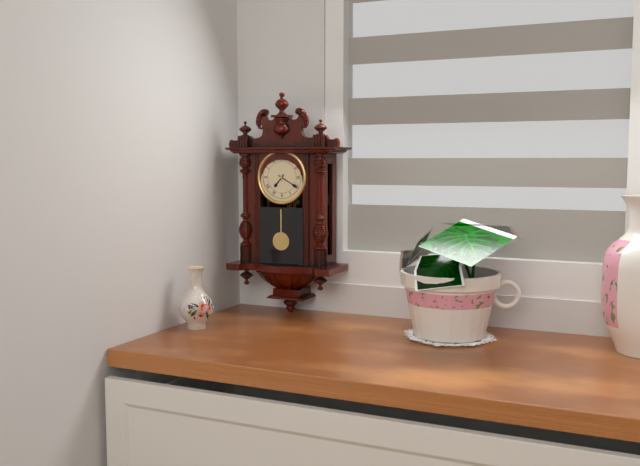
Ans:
7.20
